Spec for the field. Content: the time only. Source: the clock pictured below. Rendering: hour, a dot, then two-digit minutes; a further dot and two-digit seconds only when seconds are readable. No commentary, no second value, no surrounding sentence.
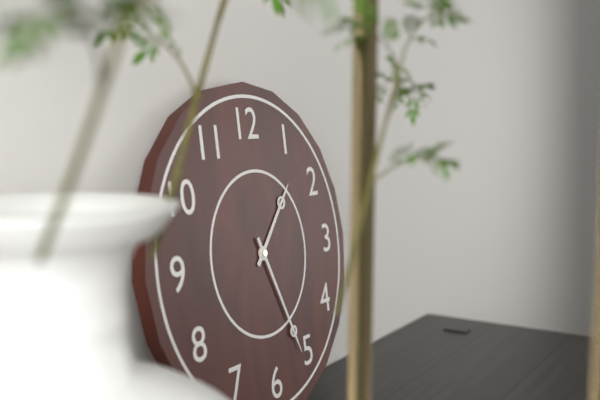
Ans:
1.26
